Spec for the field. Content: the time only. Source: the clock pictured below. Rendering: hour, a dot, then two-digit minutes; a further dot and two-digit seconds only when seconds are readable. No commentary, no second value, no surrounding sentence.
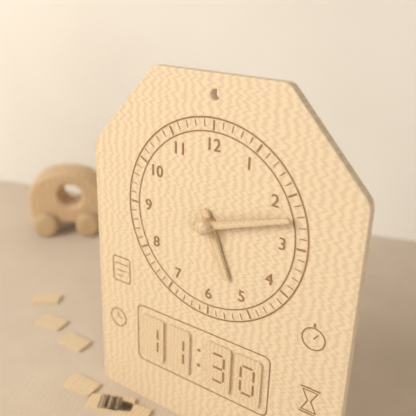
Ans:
5.12
